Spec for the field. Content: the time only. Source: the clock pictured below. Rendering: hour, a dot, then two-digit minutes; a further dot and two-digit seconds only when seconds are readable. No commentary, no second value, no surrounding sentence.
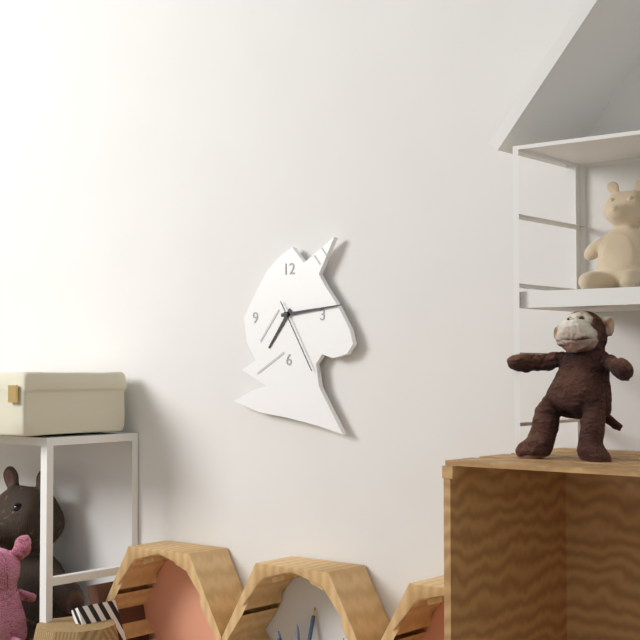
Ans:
7.14.25
